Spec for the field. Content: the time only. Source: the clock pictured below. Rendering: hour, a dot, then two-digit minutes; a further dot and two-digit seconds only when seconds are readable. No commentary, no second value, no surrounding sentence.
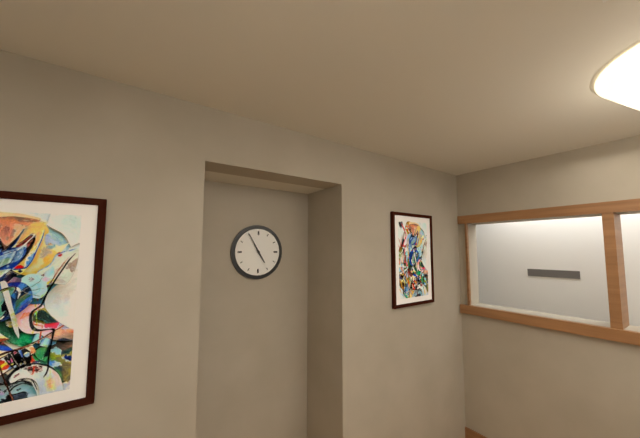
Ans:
4.55
